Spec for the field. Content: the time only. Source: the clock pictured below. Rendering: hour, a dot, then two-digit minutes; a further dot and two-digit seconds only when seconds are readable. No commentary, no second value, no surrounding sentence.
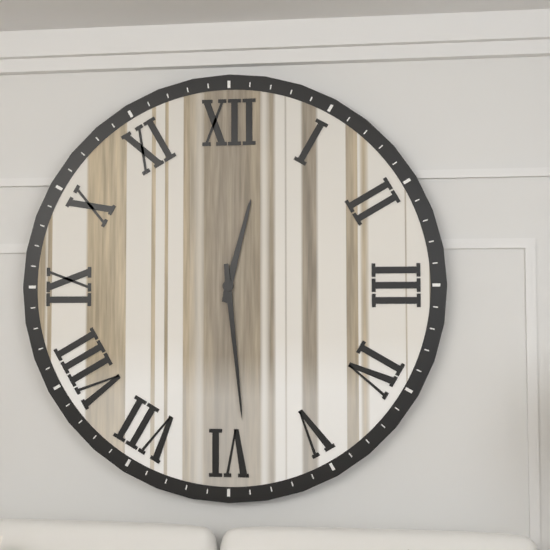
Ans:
12.29
